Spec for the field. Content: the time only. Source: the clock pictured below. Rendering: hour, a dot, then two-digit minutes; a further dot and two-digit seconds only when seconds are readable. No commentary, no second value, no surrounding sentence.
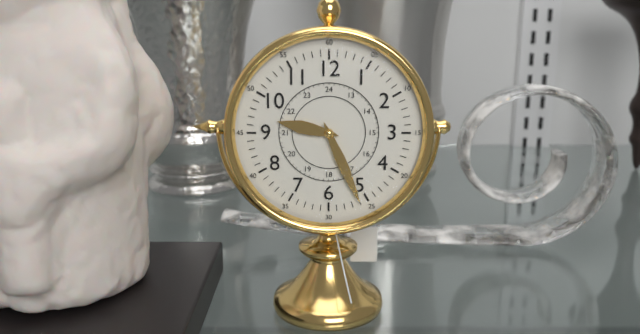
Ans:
9.26
